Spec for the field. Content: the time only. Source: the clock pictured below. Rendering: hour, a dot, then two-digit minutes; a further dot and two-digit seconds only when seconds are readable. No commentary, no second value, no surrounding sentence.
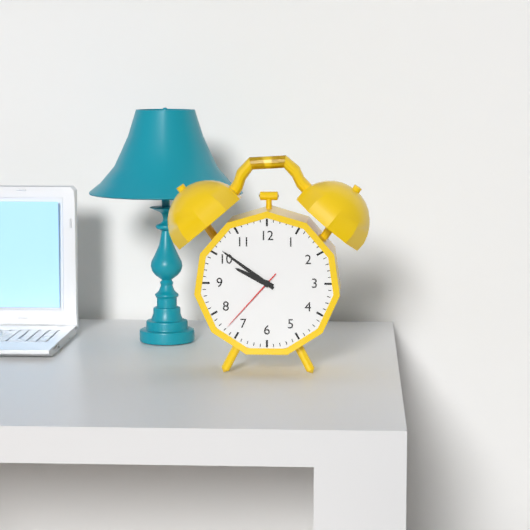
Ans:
9.51.37
